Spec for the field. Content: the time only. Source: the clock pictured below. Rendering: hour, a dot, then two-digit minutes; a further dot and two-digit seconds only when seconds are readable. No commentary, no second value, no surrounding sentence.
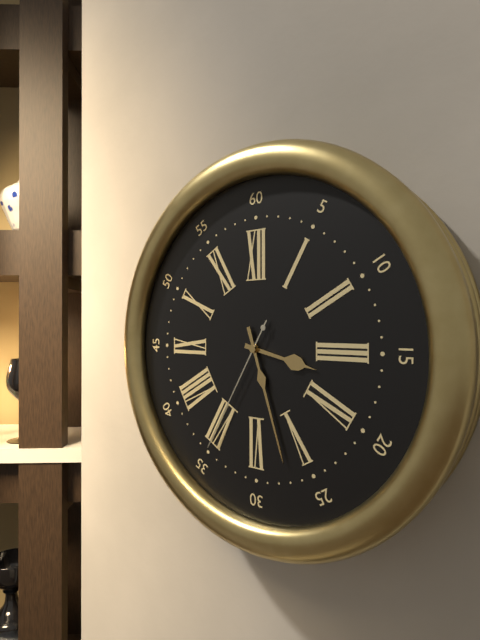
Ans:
3.27.35
